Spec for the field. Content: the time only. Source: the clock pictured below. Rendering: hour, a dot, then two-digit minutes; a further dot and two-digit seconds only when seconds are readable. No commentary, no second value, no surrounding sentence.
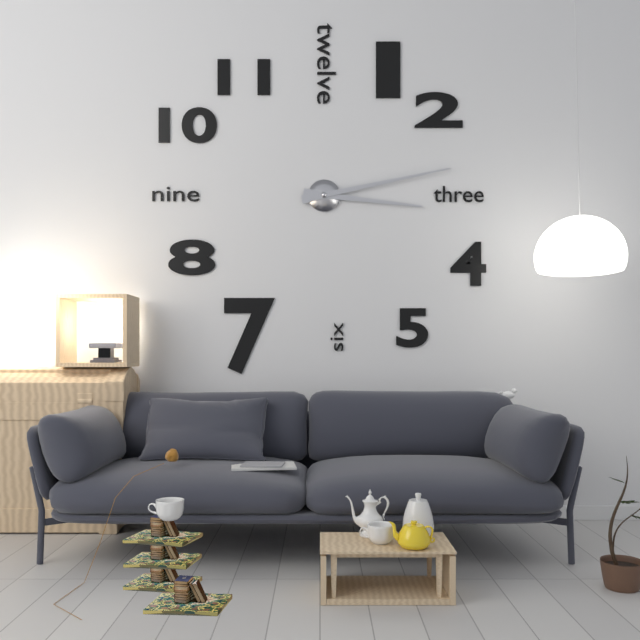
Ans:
3.13
